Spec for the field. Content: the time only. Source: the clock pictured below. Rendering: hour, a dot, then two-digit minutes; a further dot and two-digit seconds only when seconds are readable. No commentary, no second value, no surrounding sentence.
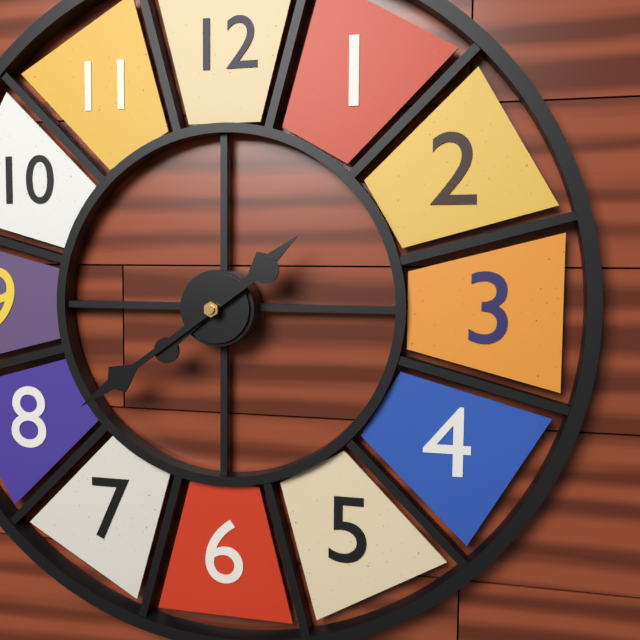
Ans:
1.39
